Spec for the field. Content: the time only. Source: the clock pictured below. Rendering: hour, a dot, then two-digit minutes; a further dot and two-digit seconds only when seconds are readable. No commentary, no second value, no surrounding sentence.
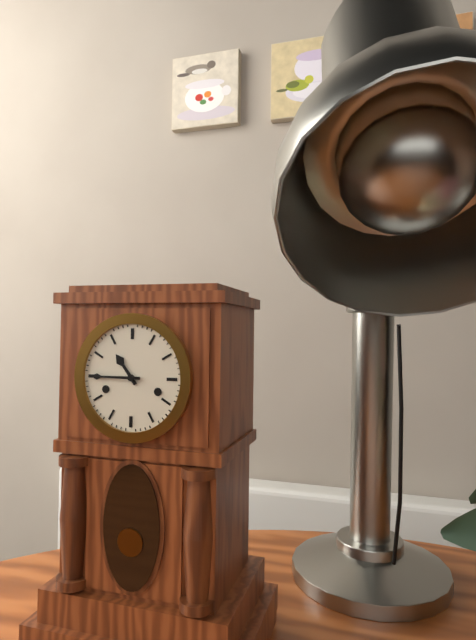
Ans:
10.45
